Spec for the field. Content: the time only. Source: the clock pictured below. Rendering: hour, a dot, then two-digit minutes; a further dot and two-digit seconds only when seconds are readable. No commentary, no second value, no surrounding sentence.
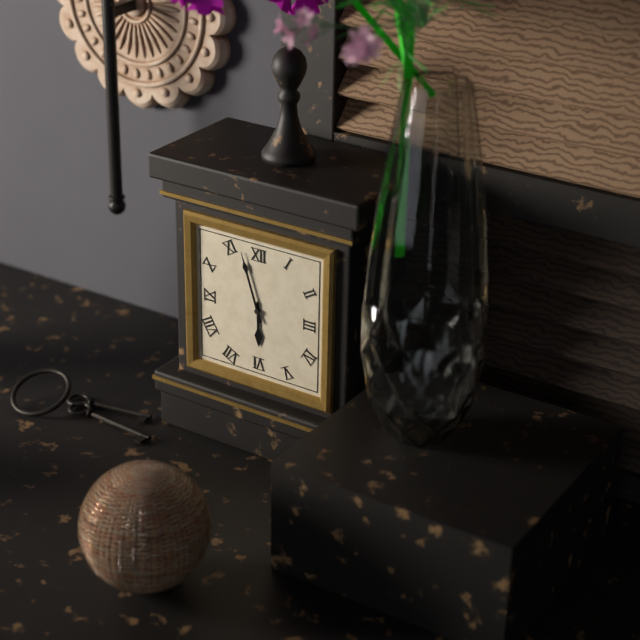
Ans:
5.57
